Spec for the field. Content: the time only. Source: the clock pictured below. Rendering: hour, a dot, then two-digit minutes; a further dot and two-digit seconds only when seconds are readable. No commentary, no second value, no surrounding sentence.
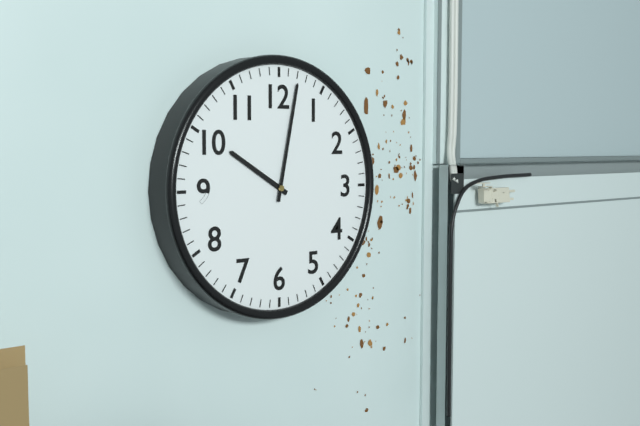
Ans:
10.02
